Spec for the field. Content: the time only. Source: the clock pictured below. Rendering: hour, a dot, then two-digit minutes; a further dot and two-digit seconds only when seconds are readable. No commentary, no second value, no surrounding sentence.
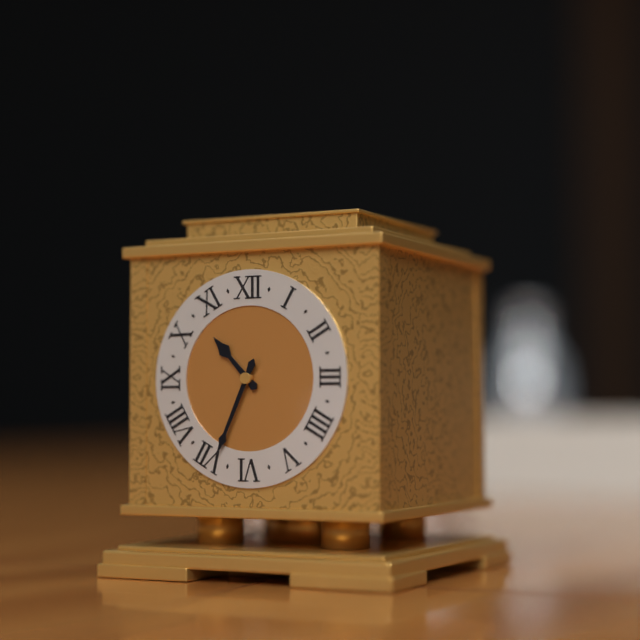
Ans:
10.34
